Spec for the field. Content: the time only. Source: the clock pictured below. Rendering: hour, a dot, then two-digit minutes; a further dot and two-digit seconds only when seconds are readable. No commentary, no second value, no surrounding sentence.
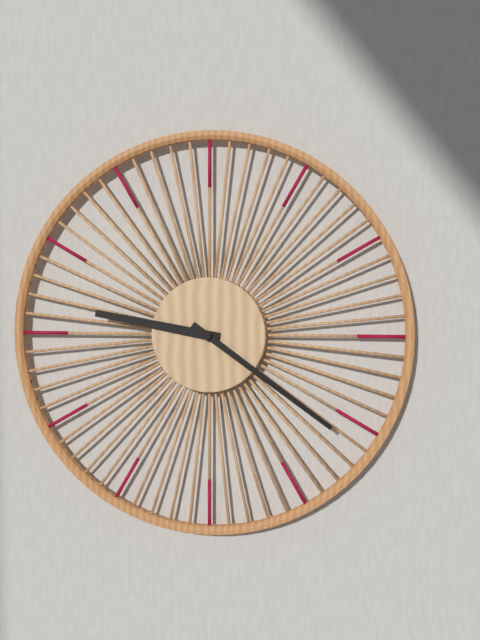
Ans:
9.21
